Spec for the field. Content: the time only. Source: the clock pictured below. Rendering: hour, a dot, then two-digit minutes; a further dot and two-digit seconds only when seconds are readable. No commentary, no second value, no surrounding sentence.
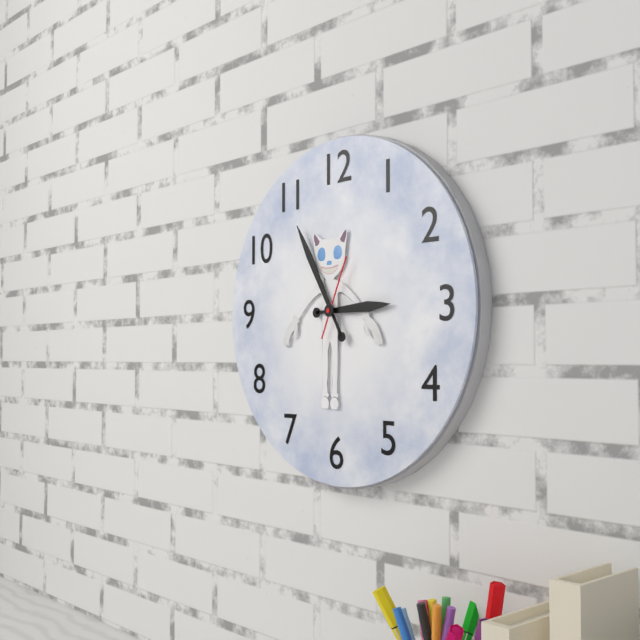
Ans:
2.55.04
